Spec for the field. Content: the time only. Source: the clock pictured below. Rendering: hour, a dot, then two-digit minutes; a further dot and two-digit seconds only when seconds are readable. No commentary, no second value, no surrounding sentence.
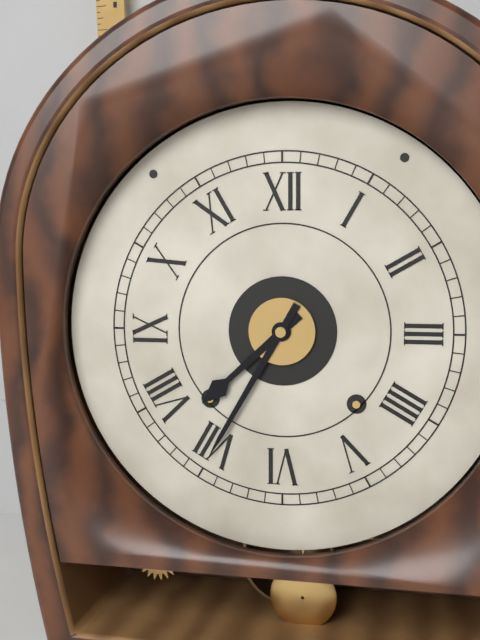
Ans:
7.35
